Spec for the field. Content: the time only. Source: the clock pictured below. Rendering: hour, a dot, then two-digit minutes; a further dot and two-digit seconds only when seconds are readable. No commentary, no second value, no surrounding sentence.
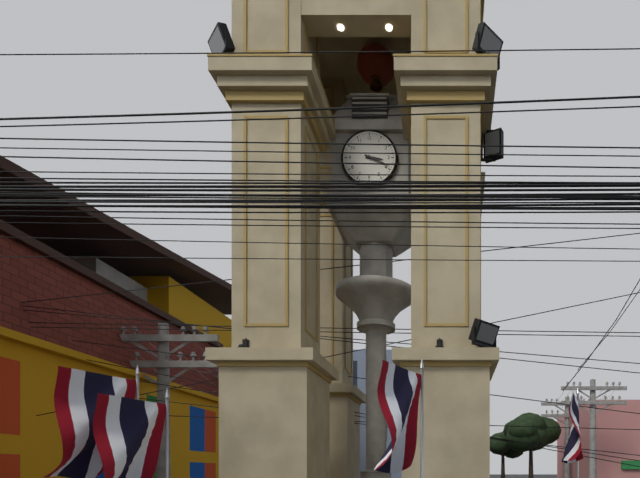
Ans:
3.19
